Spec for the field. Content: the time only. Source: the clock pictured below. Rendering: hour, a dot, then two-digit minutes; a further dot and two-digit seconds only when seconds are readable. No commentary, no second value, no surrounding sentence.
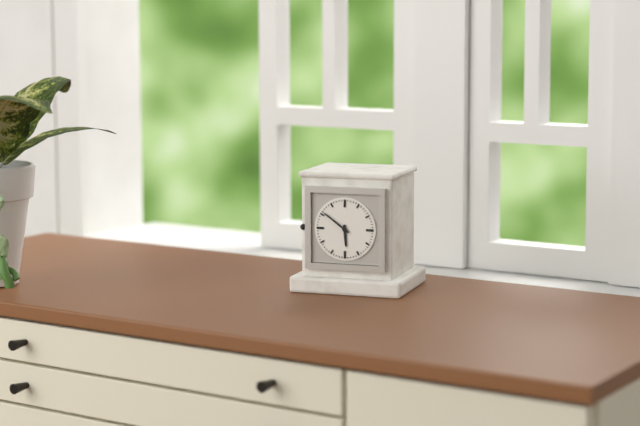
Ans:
5.51
